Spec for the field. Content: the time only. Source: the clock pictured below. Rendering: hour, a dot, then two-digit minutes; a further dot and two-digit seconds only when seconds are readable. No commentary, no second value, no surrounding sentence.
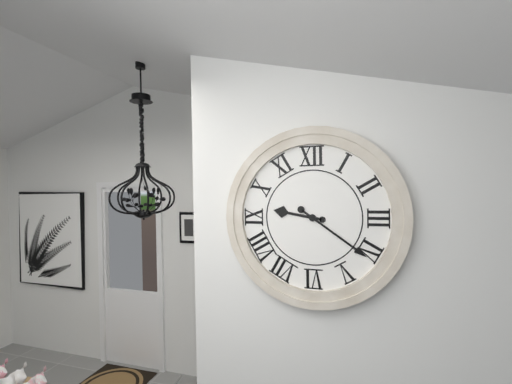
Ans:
9.21
